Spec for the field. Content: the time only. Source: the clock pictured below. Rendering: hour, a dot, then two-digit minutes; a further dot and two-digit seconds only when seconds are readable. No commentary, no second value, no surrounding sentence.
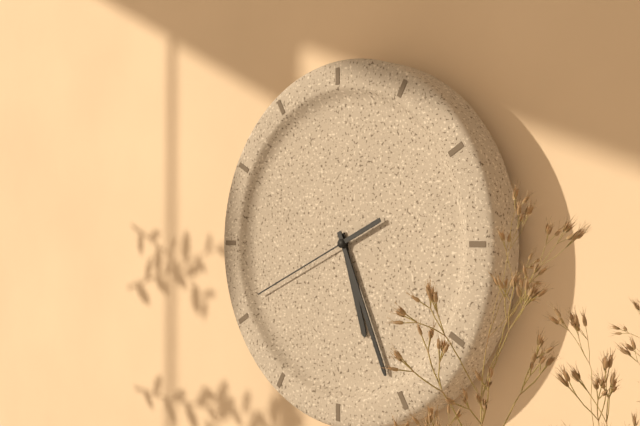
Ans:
5.26.41
